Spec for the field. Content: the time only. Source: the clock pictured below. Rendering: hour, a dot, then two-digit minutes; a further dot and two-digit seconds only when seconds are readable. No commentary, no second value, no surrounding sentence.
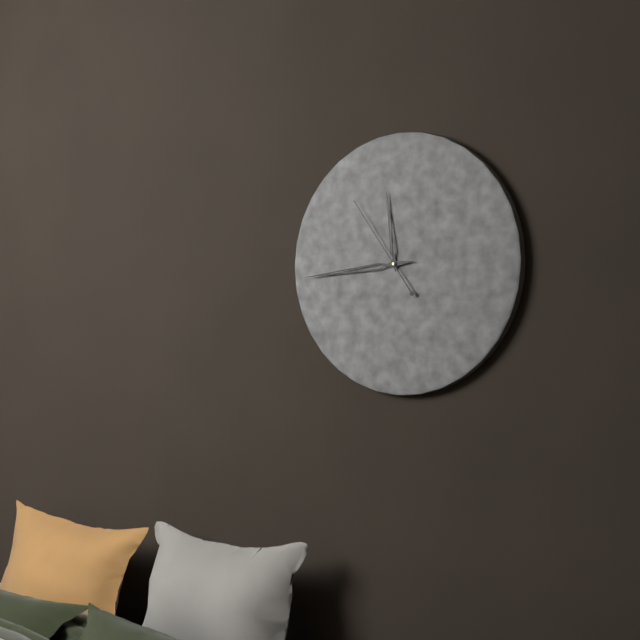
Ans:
11.44.54
